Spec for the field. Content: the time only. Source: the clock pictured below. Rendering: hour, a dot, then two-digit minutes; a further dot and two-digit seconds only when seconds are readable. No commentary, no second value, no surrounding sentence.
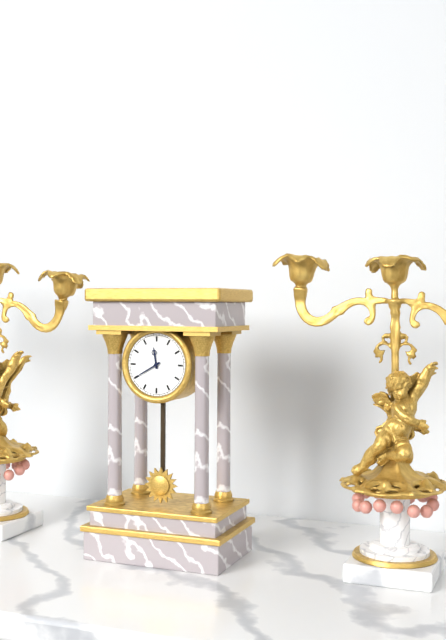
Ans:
11.40
